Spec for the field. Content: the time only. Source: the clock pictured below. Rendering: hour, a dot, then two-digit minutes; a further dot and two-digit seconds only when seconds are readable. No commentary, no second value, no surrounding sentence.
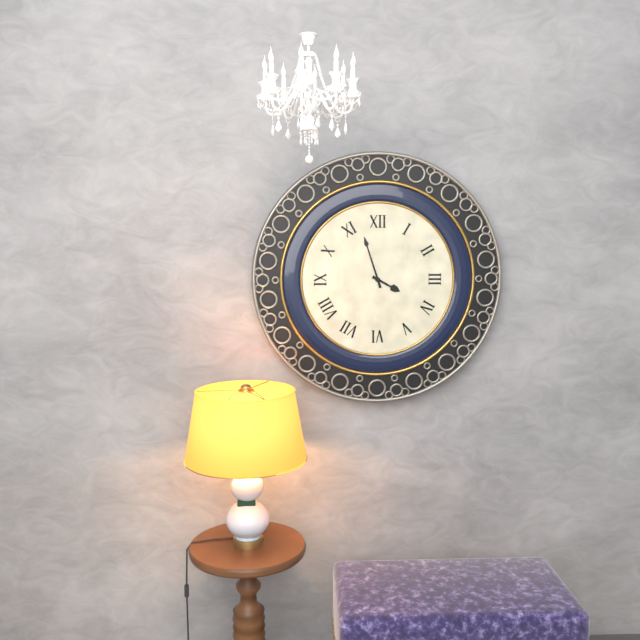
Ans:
3.57
